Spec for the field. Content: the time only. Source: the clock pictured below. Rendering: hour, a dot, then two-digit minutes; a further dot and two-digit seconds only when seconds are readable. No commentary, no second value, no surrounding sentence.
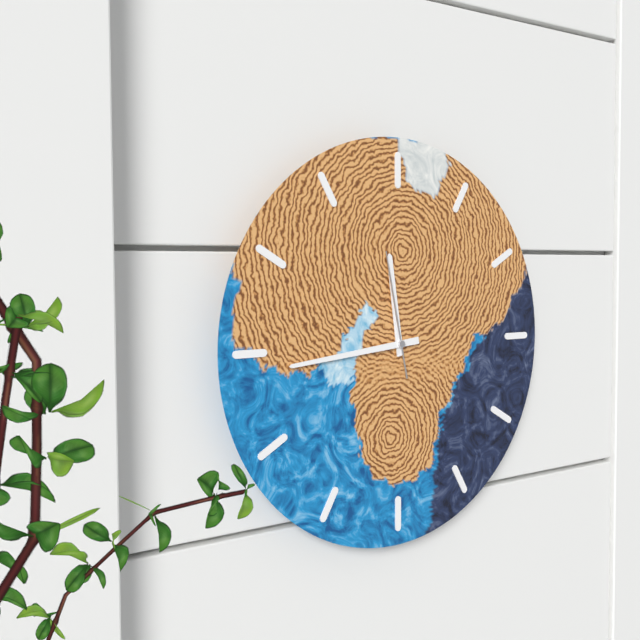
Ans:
11.44.58
